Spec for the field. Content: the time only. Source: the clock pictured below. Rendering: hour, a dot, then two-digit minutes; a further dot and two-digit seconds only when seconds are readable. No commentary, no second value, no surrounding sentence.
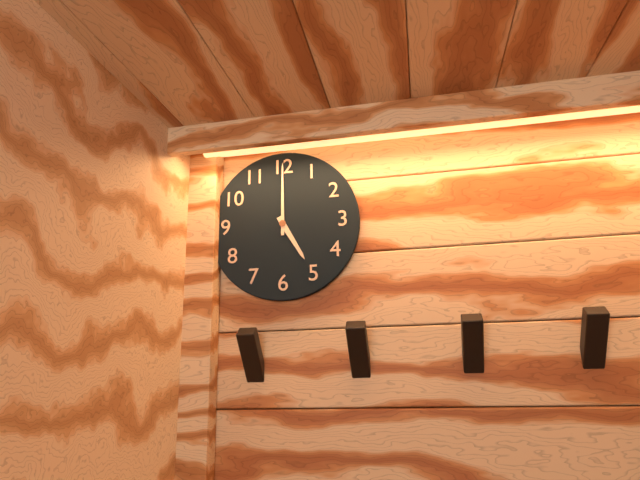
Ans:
5.00
